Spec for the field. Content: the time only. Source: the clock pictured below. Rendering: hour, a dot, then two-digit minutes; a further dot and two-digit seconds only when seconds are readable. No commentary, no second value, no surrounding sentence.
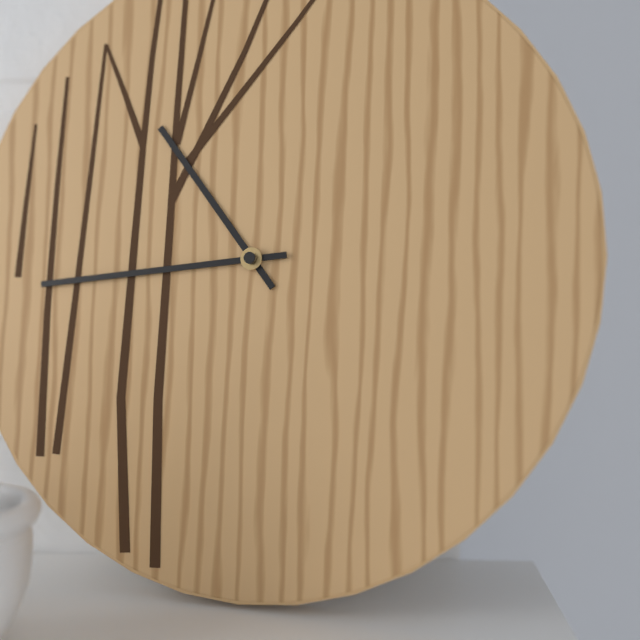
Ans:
10.44
